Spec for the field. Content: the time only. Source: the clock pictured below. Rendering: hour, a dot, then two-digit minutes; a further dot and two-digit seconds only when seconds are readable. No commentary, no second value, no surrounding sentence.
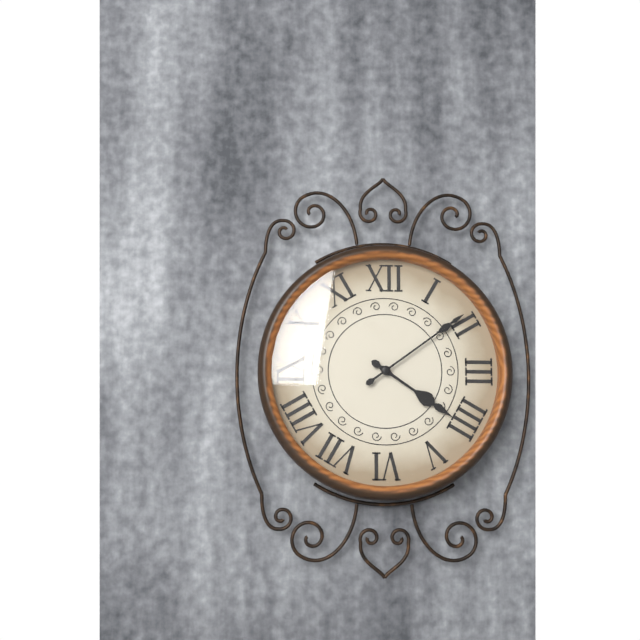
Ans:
4.09
